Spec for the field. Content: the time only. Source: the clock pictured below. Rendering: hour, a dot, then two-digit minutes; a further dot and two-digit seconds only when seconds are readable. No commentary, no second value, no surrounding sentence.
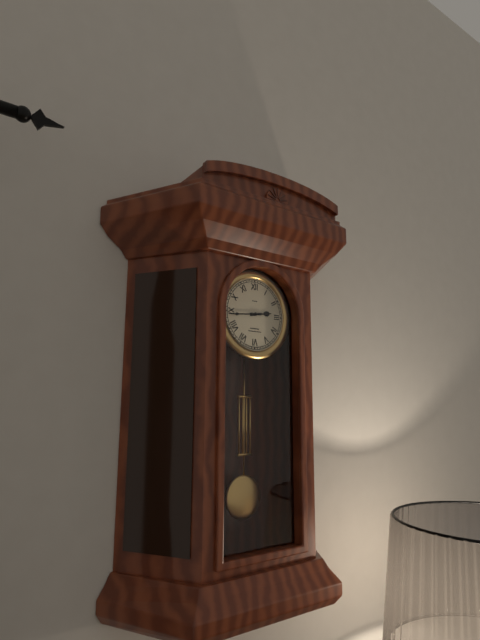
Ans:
2.44
